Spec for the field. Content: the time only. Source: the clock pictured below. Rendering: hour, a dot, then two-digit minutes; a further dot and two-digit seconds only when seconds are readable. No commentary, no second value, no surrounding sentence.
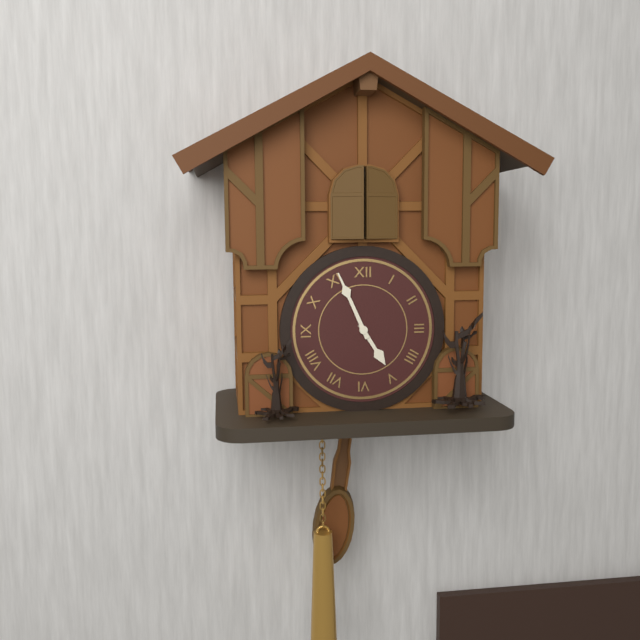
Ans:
4.56
